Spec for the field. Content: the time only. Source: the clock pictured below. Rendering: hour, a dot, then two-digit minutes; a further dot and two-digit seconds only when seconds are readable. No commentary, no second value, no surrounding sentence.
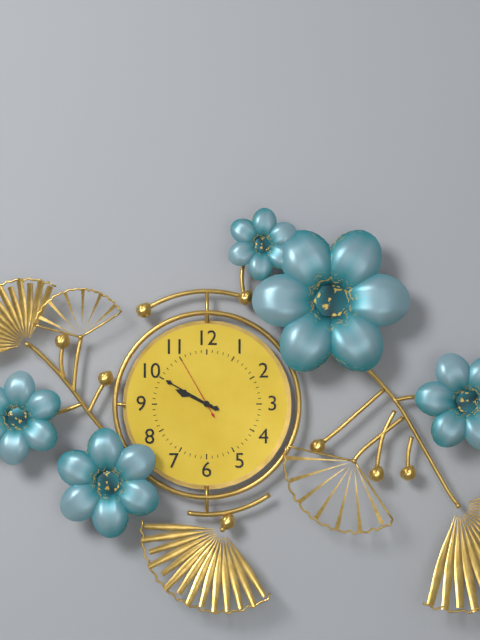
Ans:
9.50.55
